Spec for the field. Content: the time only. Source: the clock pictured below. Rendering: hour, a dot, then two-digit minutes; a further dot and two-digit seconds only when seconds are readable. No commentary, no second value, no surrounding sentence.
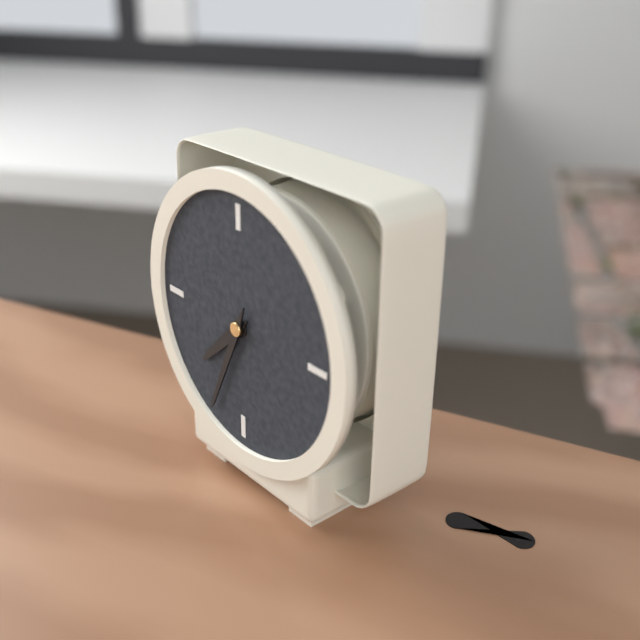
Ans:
7.34
